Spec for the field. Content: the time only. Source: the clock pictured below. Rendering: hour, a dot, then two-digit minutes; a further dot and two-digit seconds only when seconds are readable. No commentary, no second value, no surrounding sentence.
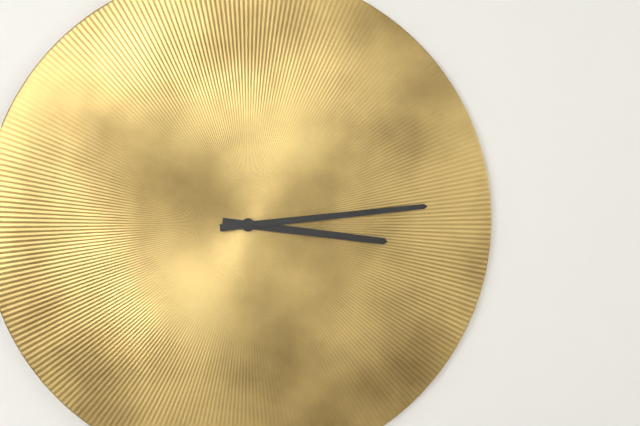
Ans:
3.14
